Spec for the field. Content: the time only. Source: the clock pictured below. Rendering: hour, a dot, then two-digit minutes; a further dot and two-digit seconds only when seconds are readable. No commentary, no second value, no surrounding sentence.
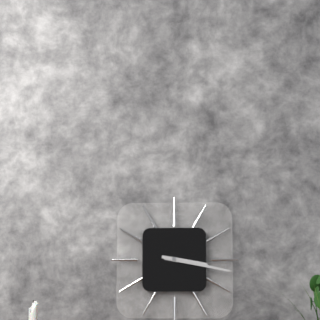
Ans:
3.17
